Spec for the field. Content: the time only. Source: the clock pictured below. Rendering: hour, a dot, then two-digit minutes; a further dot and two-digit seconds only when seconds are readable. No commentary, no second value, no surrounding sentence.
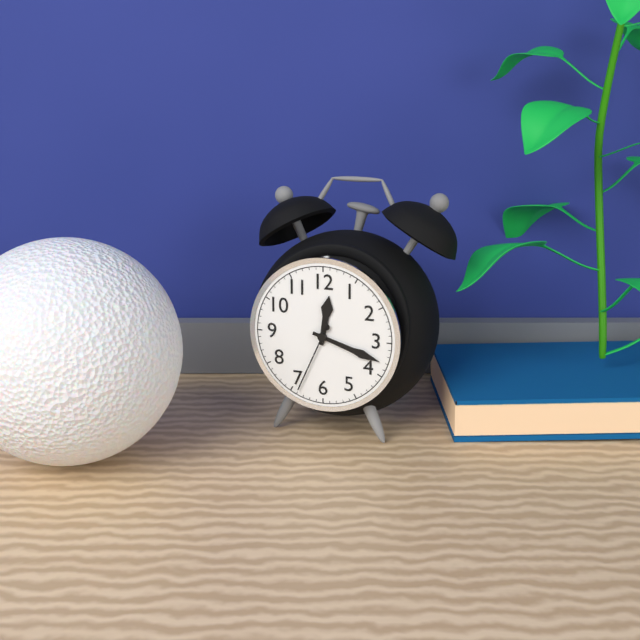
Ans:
12.18.34
